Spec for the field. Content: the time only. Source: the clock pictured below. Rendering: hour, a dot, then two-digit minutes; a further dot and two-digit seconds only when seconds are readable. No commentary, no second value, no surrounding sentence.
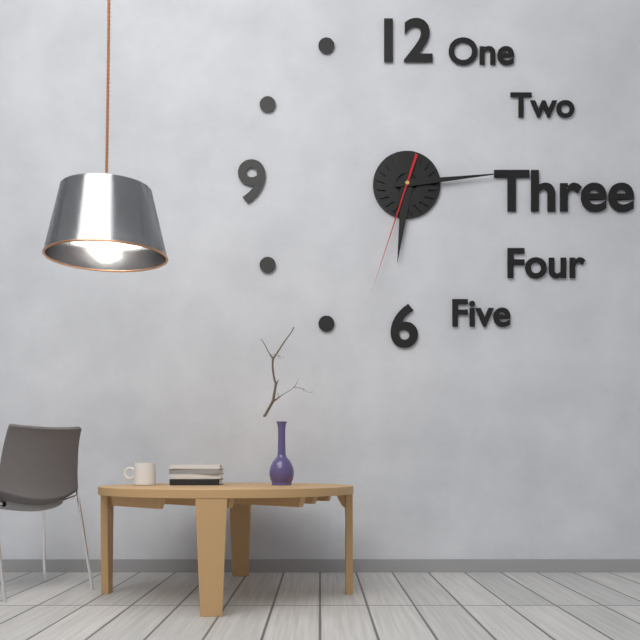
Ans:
6.14.33
